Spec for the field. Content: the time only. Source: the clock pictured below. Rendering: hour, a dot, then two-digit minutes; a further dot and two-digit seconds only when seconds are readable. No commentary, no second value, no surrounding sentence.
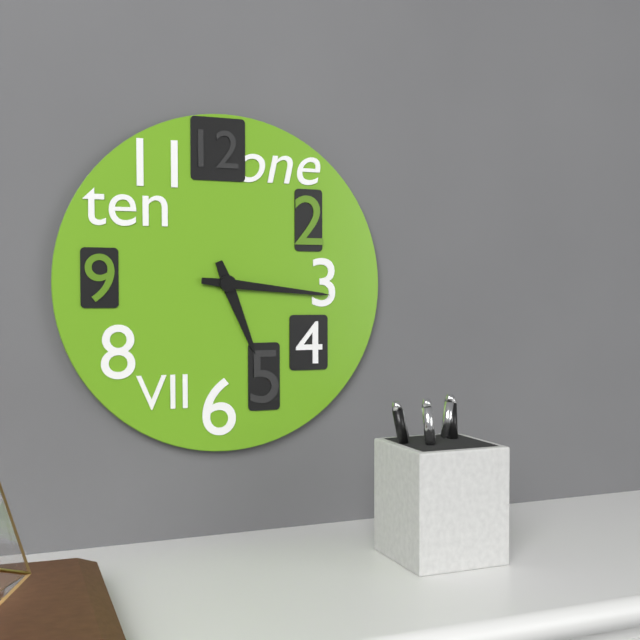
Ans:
5.16
